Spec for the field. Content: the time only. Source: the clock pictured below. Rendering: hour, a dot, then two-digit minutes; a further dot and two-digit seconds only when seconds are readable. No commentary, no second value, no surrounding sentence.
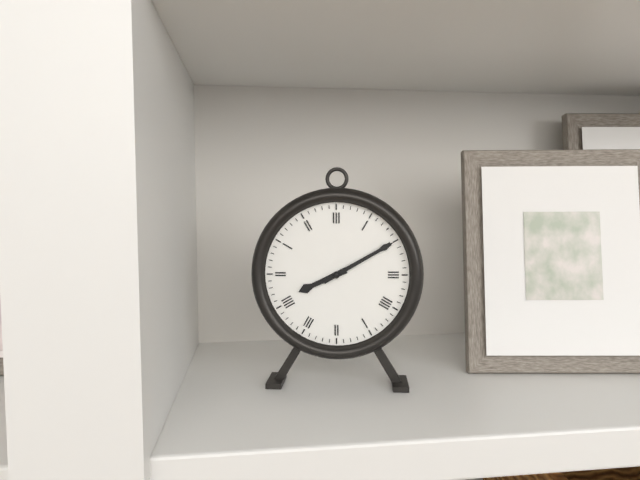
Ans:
8.10
